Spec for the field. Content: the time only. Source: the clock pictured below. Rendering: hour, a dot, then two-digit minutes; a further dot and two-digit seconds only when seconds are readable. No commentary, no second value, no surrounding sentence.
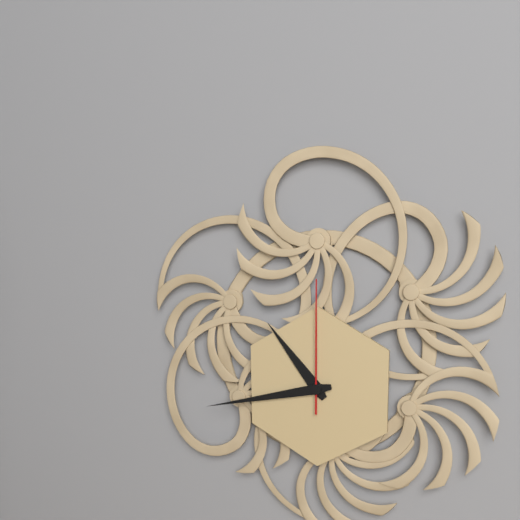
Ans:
10.43.00
